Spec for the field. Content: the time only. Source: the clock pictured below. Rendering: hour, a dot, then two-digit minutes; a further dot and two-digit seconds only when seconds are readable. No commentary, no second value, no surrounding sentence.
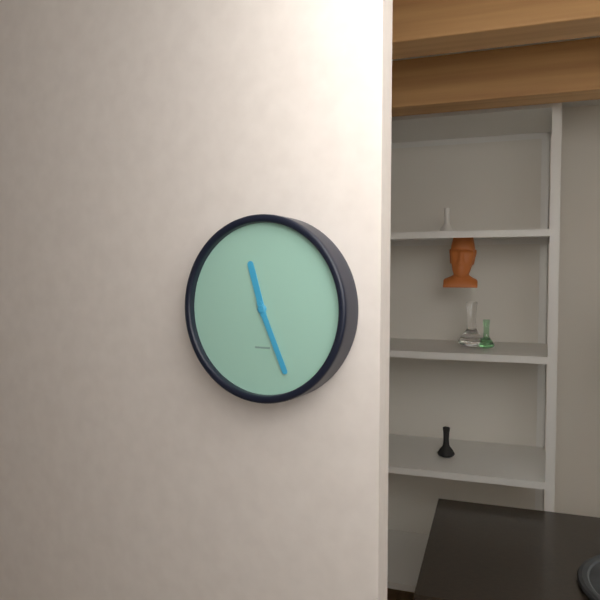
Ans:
11.26
